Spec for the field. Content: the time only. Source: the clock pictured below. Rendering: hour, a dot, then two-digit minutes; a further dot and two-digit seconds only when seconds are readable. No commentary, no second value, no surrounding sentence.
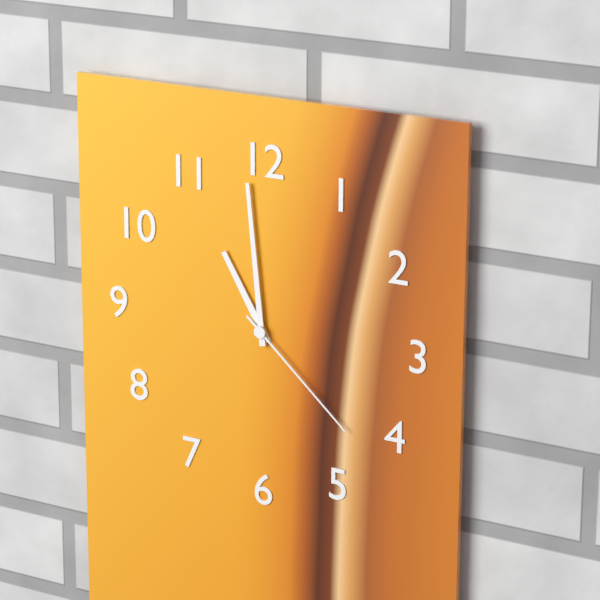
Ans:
10.59.22
